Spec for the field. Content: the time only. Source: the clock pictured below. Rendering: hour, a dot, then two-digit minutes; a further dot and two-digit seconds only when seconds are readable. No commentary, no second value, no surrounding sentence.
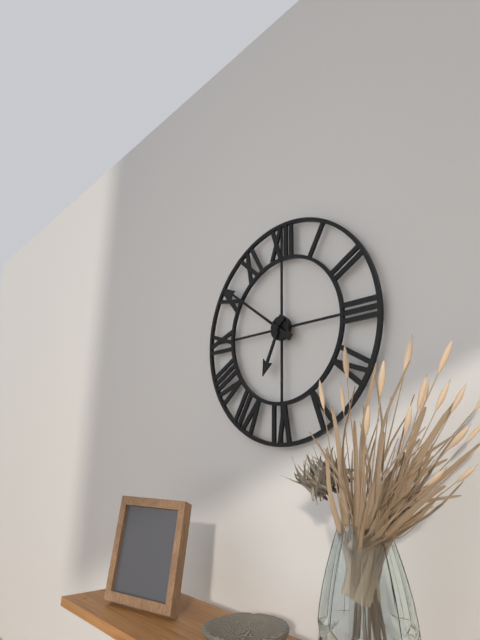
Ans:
6.51
